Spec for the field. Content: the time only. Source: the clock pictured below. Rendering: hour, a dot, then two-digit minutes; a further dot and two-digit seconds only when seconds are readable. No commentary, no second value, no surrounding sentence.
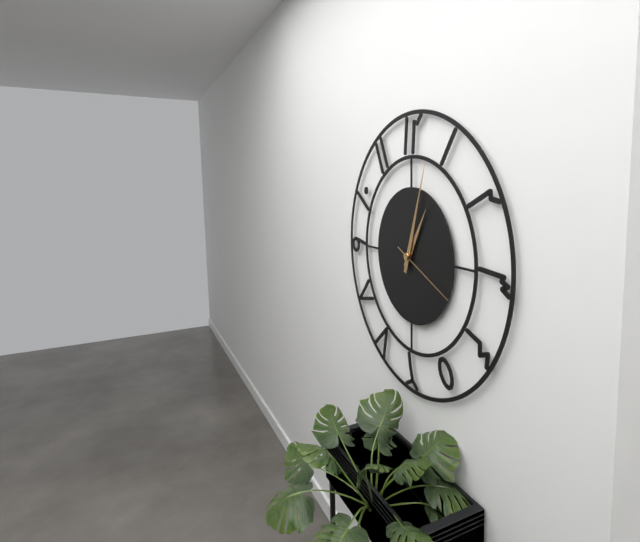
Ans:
1.03.19
